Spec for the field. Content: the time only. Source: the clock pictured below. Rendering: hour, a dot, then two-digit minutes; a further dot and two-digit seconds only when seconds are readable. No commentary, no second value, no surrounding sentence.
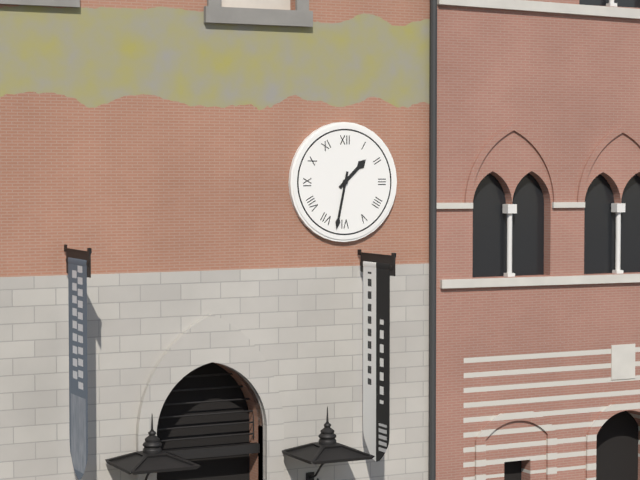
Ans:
1.32
